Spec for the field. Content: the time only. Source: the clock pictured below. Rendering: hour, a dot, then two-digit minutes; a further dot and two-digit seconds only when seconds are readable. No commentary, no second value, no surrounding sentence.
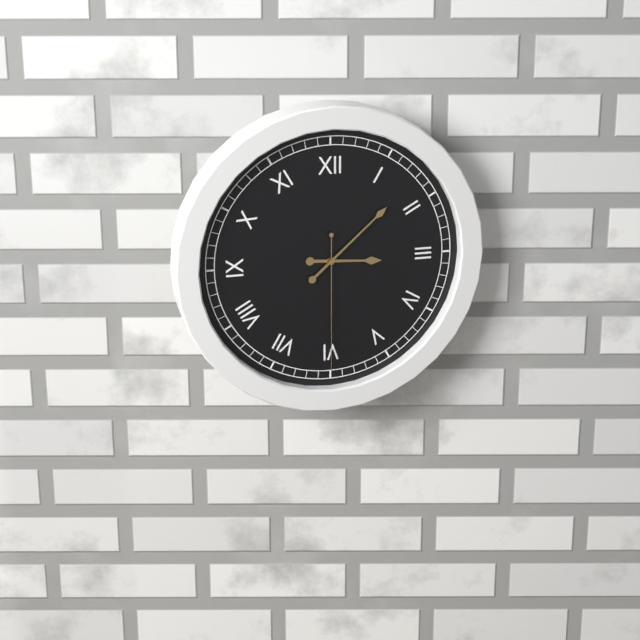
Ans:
3.08.30
